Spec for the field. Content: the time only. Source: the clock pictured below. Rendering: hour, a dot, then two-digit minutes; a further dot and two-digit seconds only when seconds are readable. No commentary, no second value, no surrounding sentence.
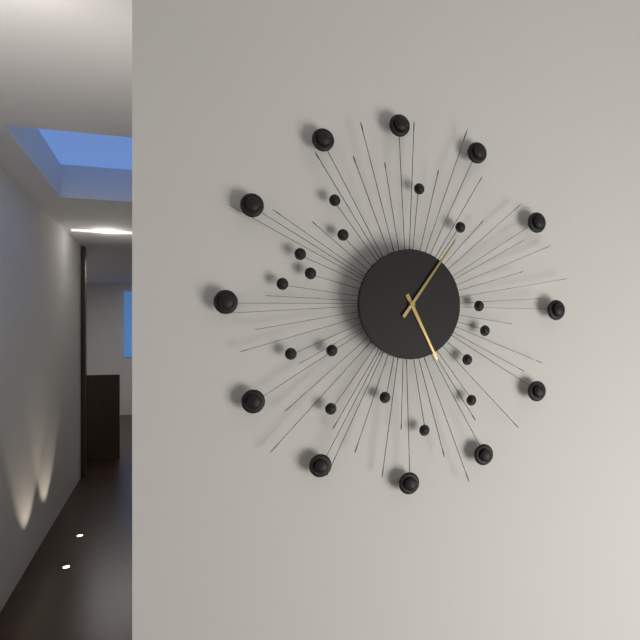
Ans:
5.06
